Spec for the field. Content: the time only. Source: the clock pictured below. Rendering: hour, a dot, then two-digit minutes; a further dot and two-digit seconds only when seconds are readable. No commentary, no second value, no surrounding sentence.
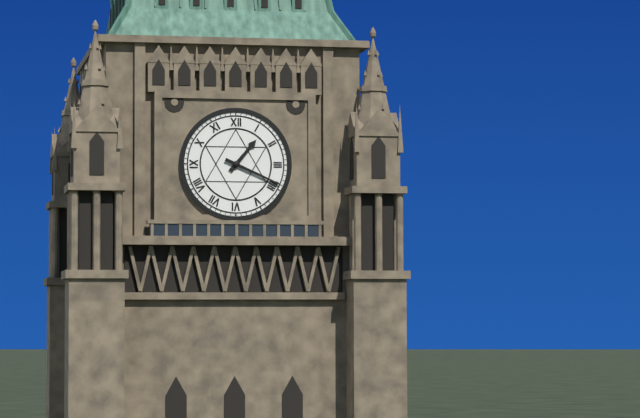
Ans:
1.19
